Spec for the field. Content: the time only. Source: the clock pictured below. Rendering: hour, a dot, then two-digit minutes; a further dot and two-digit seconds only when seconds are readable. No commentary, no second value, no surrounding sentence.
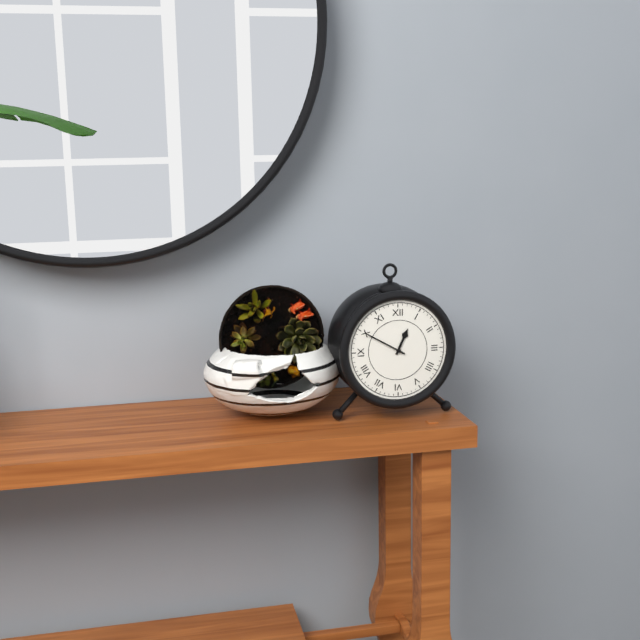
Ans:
12.50
